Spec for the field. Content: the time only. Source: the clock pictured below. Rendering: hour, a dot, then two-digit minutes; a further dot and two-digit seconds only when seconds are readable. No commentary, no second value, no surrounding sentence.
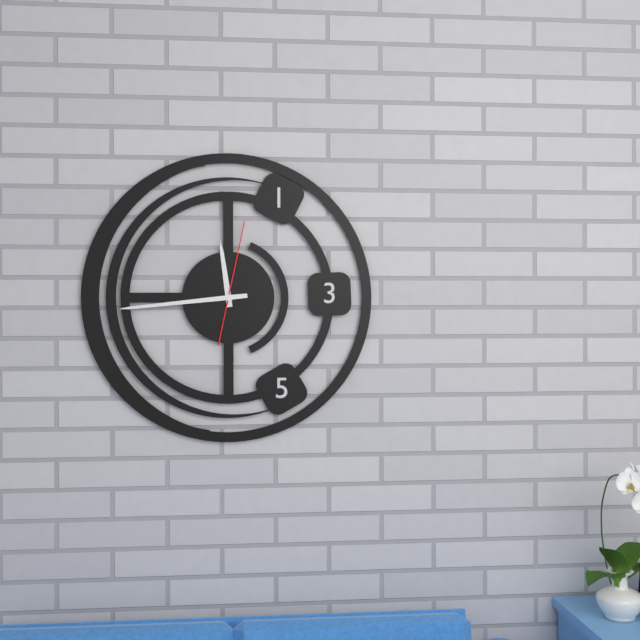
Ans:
11.44.02
